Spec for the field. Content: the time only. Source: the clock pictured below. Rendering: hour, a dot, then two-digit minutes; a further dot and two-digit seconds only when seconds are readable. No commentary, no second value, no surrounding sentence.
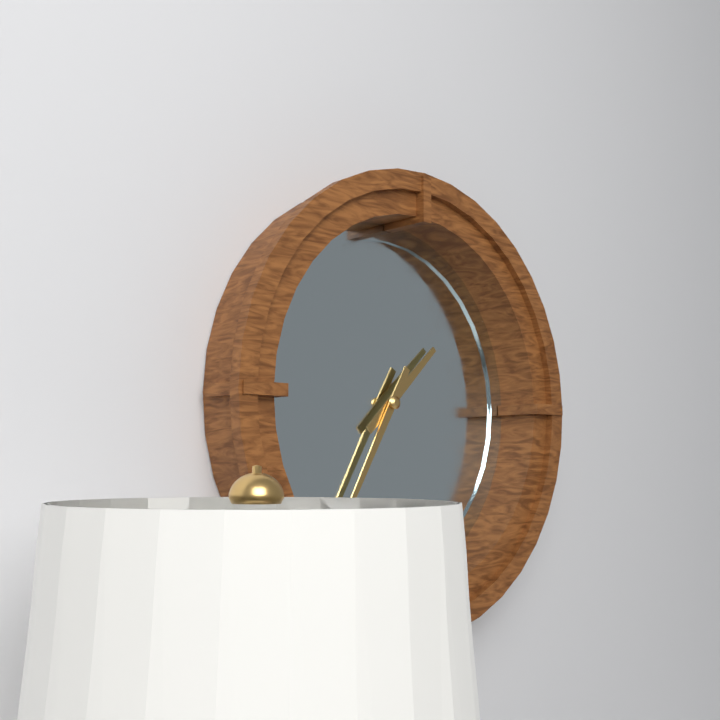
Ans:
1.35
